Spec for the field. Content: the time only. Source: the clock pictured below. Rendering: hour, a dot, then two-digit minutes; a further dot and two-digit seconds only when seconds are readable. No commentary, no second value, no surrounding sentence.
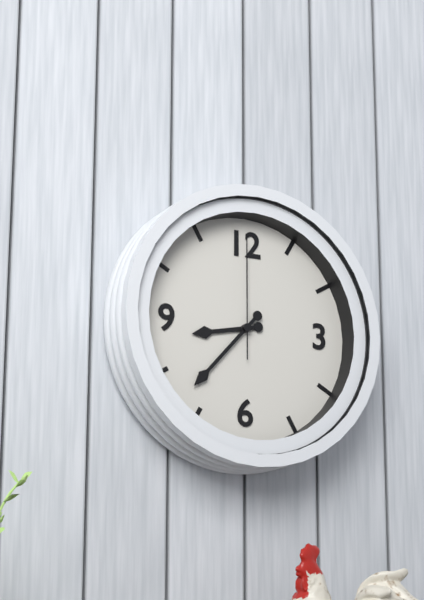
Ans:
8.37.00
